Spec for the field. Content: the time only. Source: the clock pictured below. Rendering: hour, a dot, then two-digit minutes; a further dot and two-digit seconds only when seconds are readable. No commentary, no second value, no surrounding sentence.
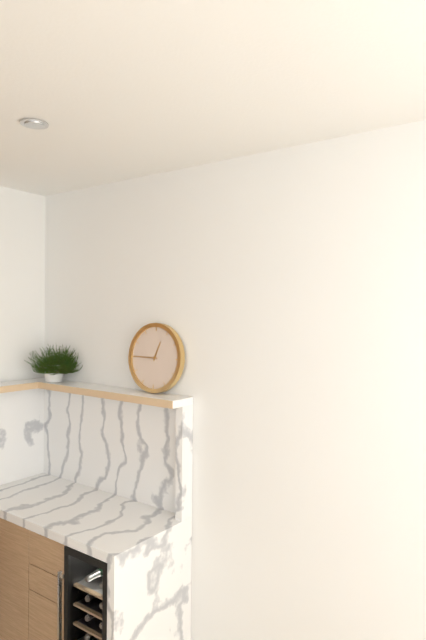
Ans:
12.45
